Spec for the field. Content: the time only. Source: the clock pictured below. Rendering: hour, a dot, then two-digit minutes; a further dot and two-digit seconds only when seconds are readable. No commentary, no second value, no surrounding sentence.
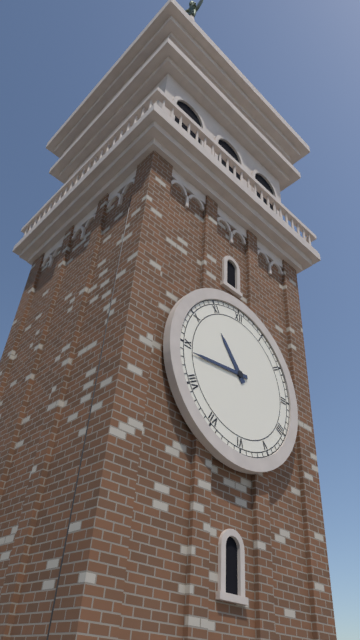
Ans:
10.44
